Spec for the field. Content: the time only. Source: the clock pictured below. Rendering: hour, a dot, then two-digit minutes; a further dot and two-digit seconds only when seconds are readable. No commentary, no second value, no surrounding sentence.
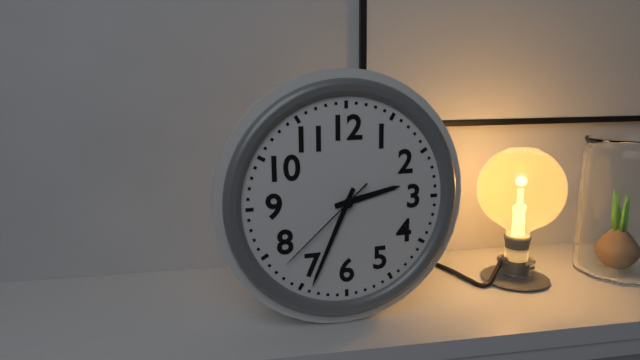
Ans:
2.34.38
